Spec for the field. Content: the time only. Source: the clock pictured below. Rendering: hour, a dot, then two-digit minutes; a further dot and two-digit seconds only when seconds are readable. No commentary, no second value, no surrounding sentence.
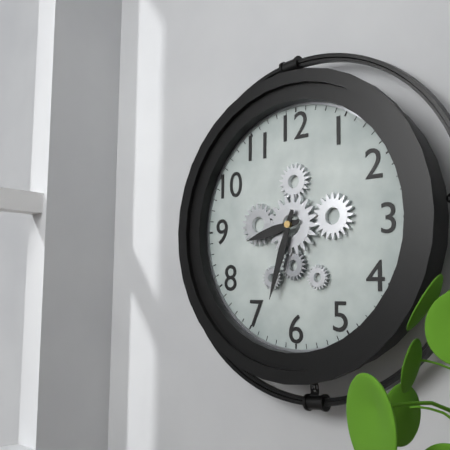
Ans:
8.33
